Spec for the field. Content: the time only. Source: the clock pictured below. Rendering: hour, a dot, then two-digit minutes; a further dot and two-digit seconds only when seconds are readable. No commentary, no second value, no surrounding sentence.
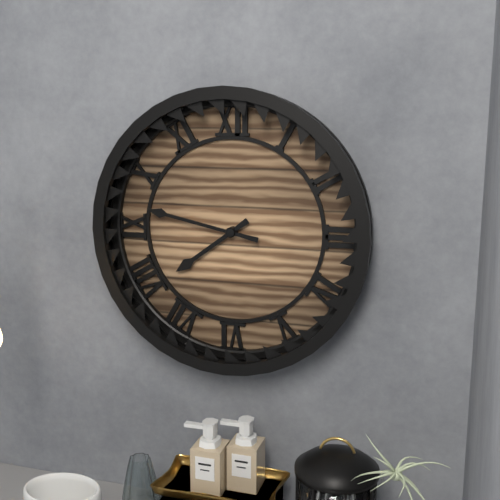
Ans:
7.47
